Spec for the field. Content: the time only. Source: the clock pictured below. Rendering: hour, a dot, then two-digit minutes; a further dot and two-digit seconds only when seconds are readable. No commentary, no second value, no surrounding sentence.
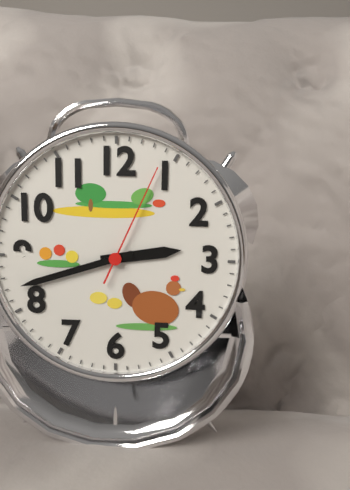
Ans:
2.42.04
